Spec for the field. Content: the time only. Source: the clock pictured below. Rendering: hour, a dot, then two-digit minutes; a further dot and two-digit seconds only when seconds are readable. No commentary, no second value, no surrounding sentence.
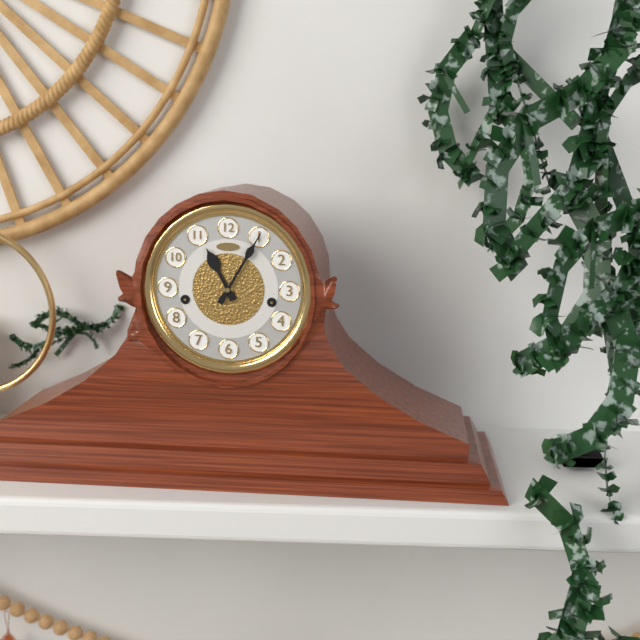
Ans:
11.05
